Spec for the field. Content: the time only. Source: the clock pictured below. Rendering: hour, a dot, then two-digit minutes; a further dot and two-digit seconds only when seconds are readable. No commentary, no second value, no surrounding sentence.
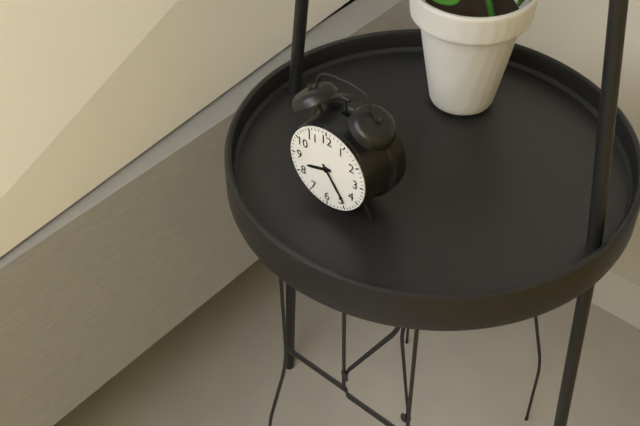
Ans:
8.24
